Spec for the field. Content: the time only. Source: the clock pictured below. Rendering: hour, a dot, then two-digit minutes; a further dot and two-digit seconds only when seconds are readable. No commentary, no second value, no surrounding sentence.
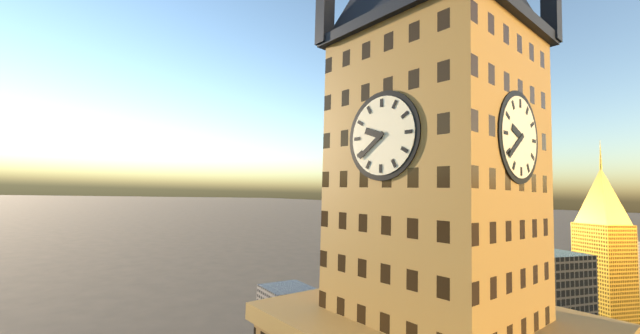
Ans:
9.39
